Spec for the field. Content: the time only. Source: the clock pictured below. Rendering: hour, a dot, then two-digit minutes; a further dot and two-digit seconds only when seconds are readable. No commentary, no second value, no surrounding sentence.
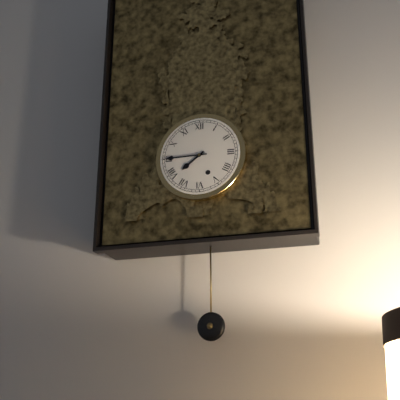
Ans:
7.45
